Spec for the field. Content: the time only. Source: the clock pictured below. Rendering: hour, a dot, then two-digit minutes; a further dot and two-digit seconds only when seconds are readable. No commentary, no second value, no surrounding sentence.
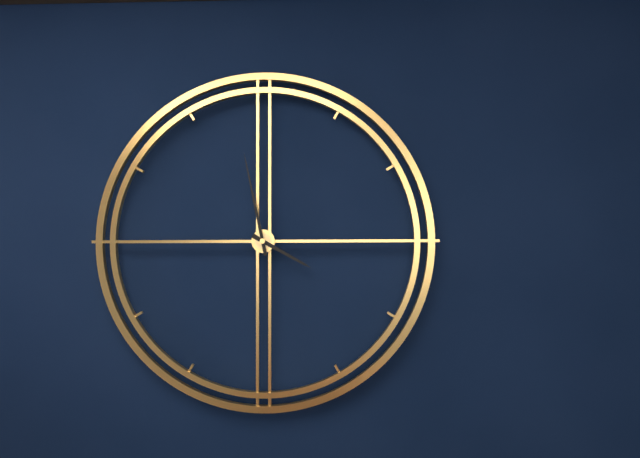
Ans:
3.58
